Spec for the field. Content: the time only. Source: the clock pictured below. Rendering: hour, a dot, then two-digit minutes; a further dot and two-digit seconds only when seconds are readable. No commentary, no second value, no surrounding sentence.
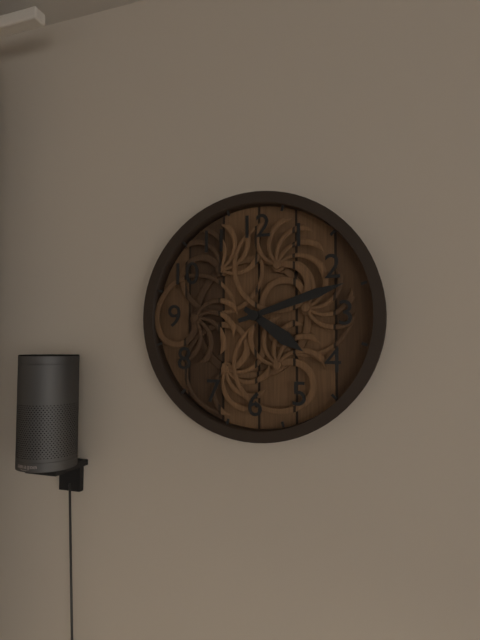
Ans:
4.12
